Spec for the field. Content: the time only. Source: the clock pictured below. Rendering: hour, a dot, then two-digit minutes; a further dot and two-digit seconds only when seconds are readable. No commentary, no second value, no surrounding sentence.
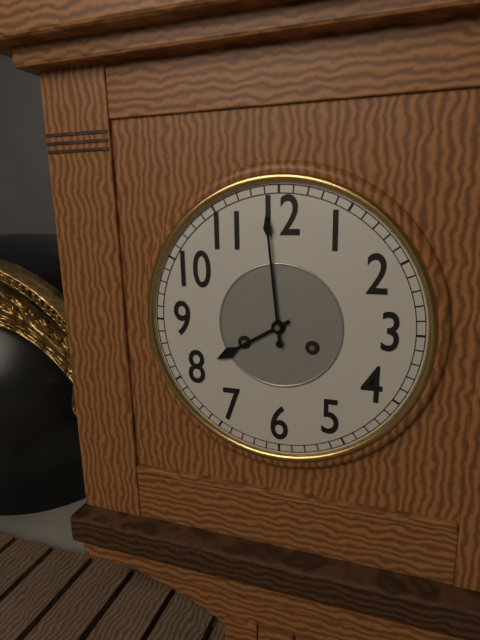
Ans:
7.59
